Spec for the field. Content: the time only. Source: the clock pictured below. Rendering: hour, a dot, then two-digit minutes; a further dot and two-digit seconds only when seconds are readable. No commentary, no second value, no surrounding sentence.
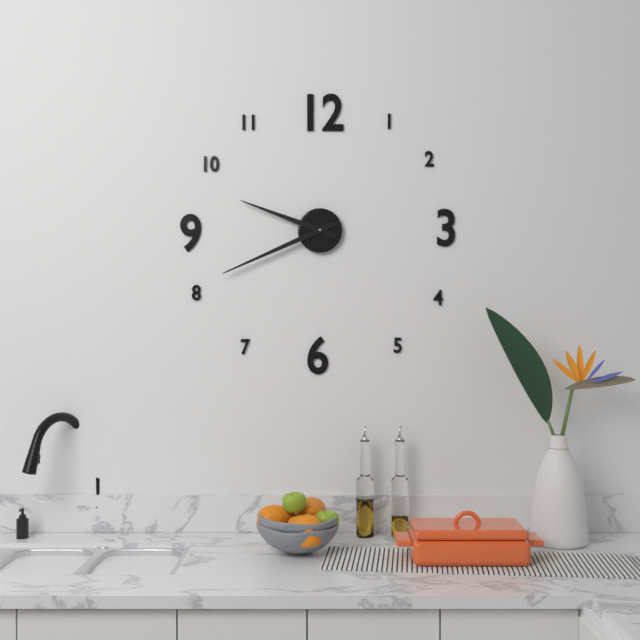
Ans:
9.41
